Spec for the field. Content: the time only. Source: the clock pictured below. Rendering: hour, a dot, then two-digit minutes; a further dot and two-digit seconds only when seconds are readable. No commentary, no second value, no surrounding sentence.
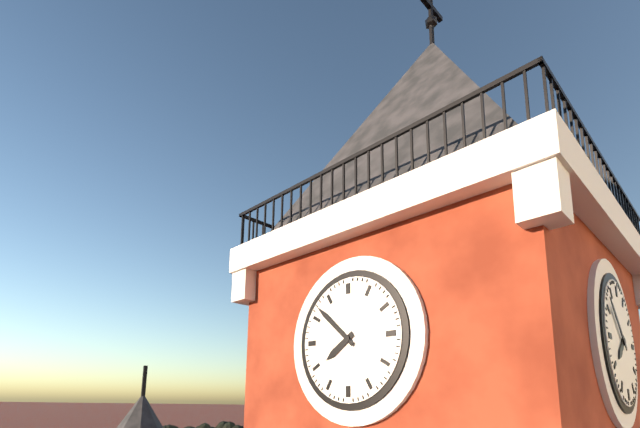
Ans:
7.52
